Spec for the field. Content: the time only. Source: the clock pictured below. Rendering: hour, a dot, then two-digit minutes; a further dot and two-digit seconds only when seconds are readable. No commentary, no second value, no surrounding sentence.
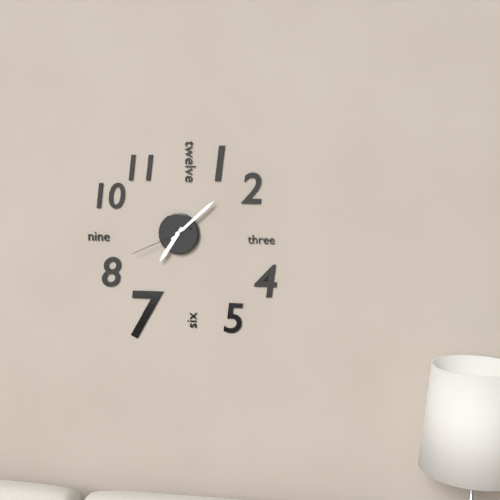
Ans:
7.08.41
